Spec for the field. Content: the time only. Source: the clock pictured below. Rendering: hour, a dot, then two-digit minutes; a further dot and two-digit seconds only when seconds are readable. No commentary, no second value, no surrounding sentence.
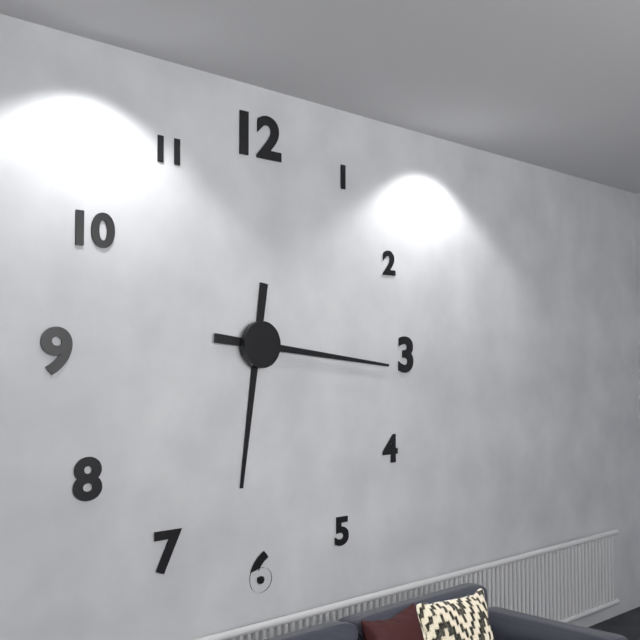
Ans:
6.16
